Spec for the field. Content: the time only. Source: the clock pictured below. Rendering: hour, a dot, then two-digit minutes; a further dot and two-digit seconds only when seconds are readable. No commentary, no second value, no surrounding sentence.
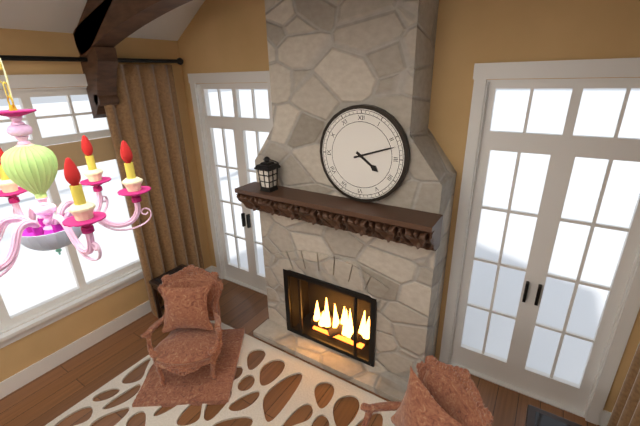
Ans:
4.12
